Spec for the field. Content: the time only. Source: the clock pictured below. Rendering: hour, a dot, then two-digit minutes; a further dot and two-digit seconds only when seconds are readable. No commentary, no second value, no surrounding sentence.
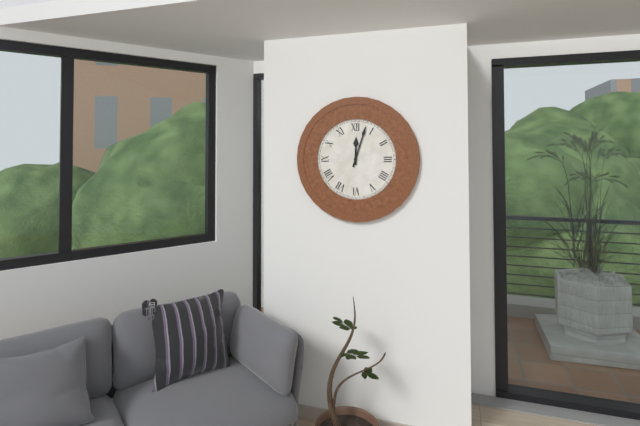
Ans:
12.03
